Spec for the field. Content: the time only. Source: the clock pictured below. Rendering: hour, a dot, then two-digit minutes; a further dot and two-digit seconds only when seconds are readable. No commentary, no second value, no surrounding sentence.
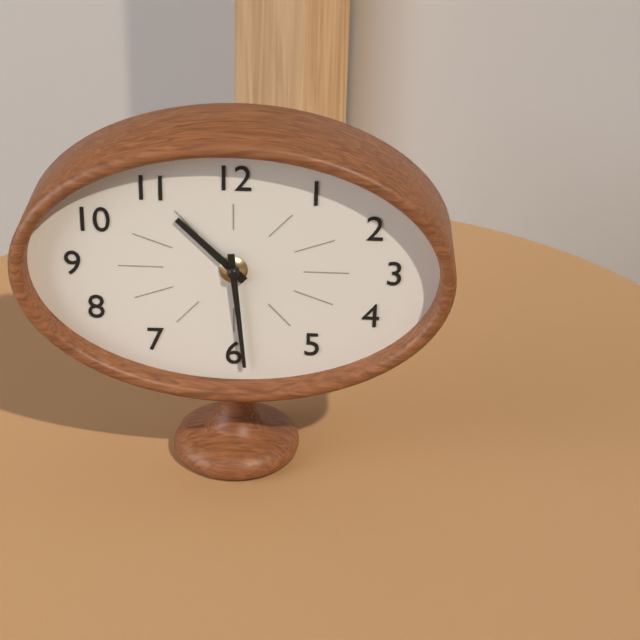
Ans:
10.29
